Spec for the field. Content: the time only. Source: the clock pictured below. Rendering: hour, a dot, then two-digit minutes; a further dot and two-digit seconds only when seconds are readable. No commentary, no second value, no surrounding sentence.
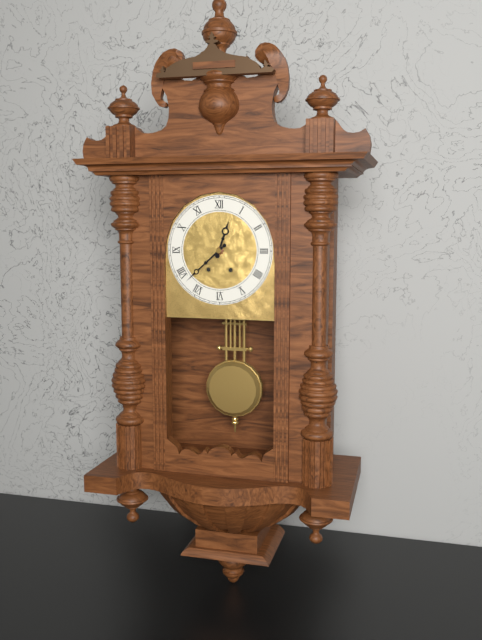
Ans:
12.38
